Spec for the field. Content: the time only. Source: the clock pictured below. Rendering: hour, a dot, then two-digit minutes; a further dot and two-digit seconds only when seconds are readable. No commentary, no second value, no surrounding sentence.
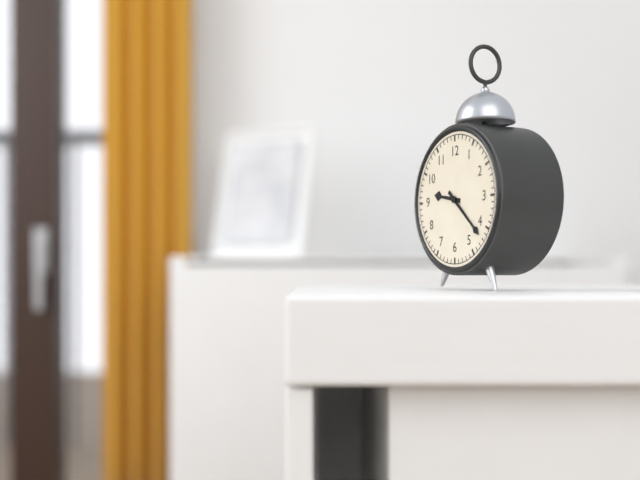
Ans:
9.22
